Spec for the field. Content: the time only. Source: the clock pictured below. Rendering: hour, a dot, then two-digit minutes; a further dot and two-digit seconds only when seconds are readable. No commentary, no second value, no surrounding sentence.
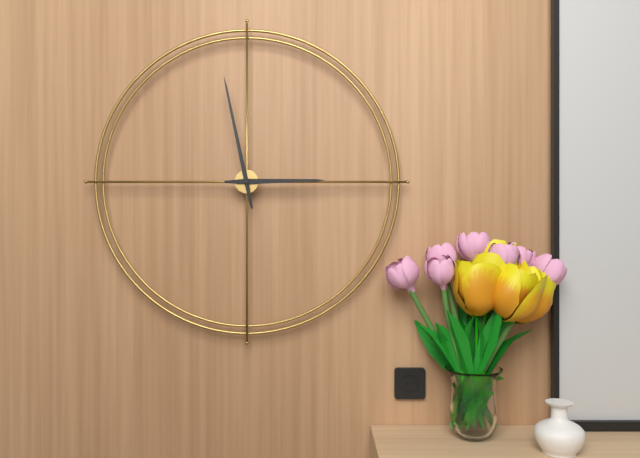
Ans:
2.58
